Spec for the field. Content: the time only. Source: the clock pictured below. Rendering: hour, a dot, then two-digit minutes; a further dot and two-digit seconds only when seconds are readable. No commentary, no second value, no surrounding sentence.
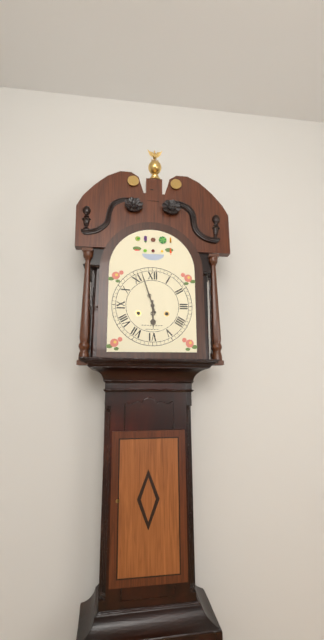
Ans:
5.57
